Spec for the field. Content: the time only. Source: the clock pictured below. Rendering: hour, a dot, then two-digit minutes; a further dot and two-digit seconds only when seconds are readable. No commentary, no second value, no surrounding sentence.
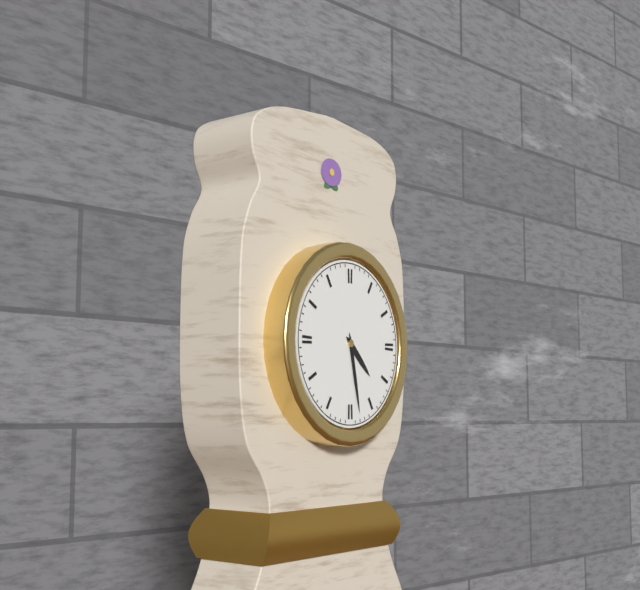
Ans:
4.28
